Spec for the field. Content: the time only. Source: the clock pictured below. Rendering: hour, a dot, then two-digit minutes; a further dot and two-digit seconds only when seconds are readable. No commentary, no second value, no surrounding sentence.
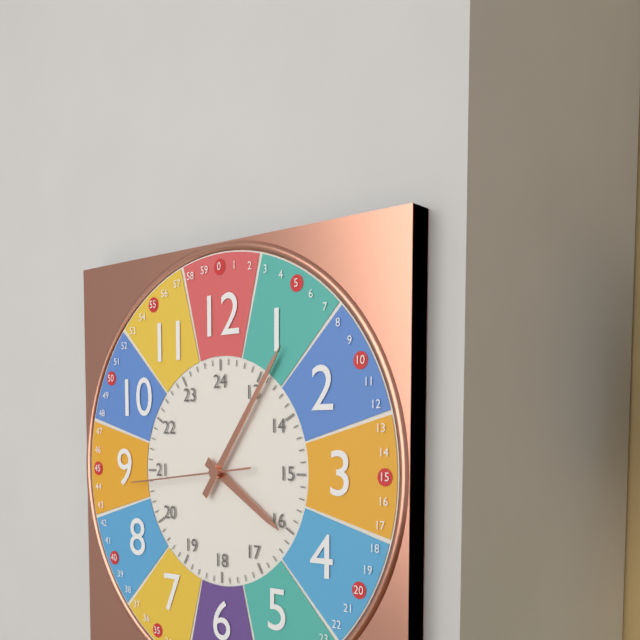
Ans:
4.06.44
